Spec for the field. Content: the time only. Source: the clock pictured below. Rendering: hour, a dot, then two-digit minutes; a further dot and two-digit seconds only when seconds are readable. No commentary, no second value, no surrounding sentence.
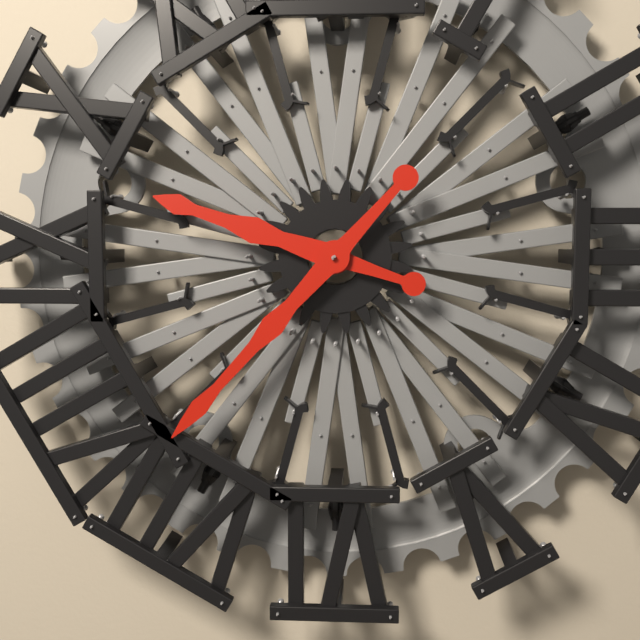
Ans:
9.37
